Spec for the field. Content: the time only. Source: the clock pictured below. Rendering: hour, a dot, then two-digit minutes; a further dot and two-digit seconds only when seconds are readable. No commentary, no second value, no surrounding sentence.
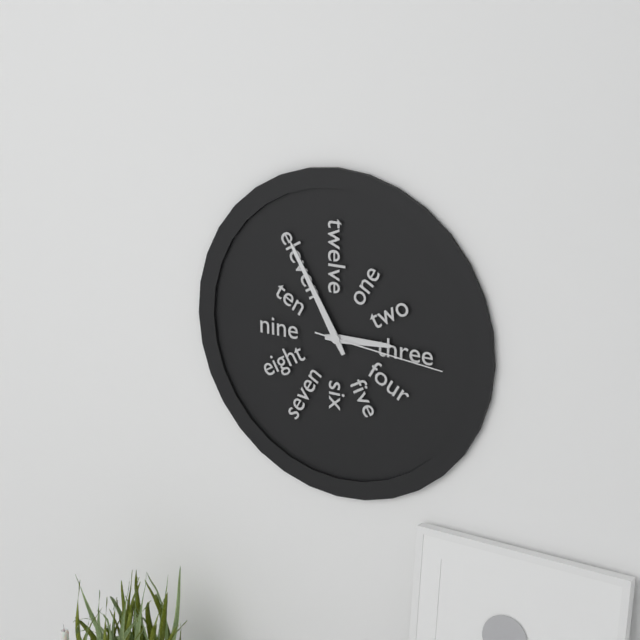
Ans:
2.55.16
